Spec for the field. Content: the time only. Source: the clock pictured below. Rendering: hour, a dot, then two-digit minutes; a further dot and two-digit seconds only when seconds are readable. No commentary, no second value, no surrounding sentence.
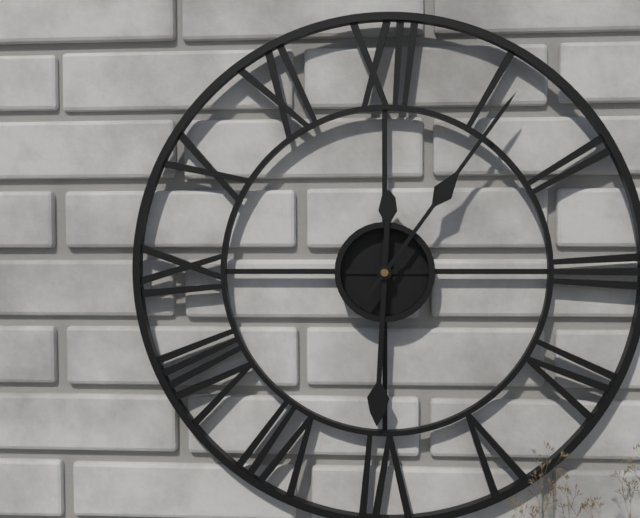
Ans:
6.06
